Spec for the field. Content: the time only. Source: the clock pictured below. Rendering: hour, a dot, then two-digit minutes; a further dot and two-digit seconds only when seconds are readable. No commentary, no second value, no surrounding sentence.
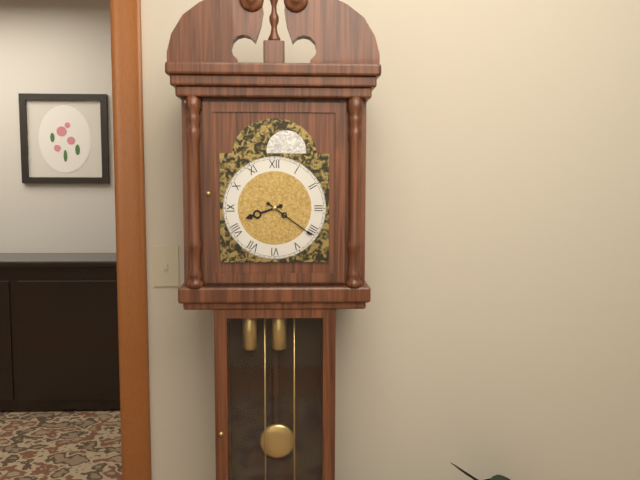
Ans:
8.21
